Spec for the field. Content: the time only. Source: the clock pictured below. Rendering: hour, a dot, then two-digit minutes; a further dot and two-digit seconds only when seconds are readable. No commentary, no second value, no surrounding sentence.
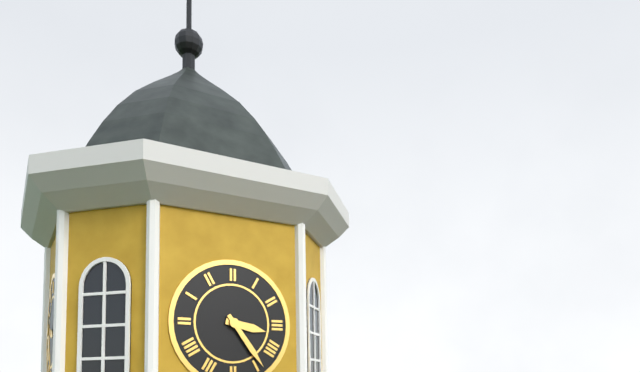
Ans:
3.24
